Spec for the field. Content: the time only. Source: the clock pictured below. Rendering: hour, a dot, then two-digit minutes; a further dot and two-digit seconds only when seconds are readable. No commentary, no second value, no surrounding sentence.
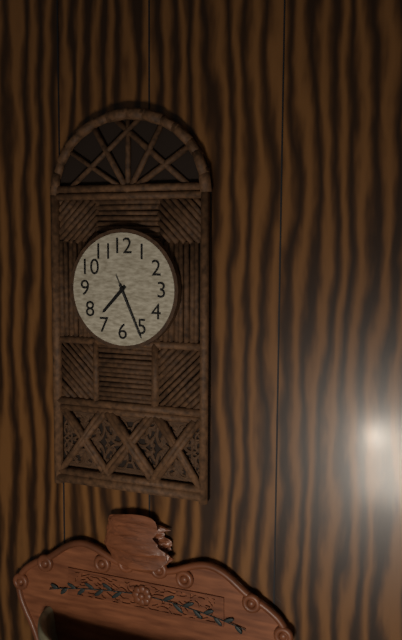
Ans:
7.26.26
